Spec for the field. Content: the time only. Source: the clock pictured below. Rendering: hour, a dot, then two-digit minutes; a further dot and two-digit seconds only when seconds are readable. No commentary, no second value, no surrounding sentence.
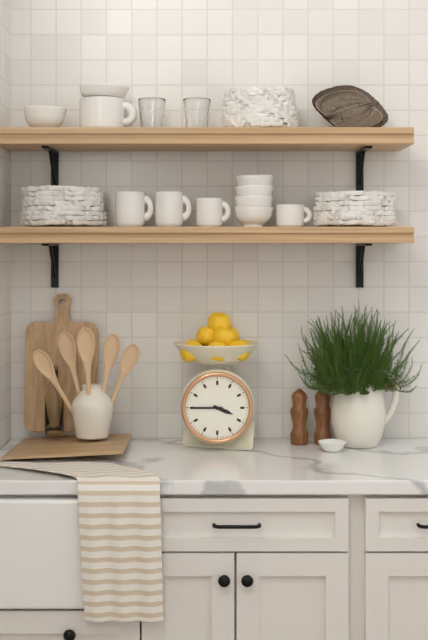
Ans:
3.45
